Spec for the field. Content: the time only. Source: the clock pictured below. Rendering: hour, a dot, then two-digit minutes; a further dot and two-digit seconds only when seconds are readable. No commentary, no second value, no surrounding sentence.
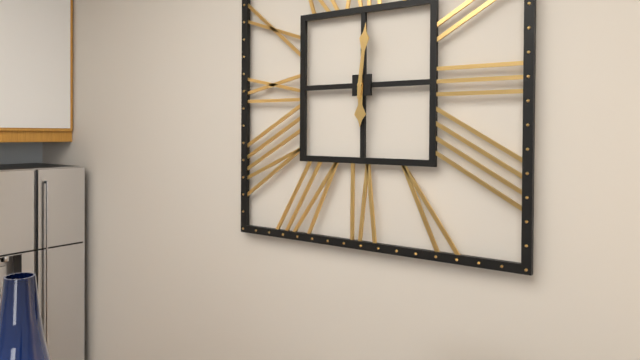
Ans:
6.01
